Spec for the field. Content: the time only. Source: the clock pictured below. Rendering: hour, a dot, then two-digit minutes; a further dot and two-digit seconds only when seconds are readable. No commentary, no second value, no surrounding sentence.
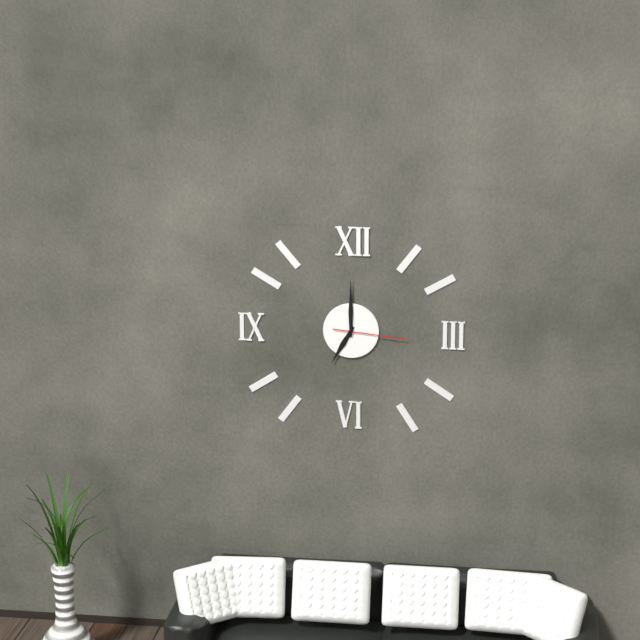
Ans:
7.00.16
